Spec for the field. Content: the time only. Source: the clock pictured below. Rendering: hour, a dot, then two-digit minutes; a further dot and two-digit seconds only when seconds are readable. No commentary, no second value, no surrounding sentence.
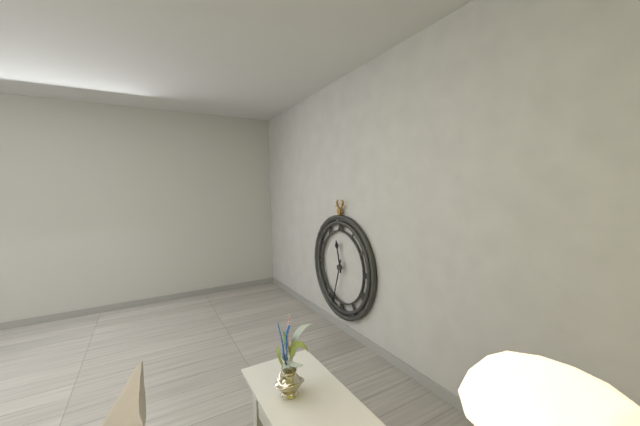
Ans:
11.33
